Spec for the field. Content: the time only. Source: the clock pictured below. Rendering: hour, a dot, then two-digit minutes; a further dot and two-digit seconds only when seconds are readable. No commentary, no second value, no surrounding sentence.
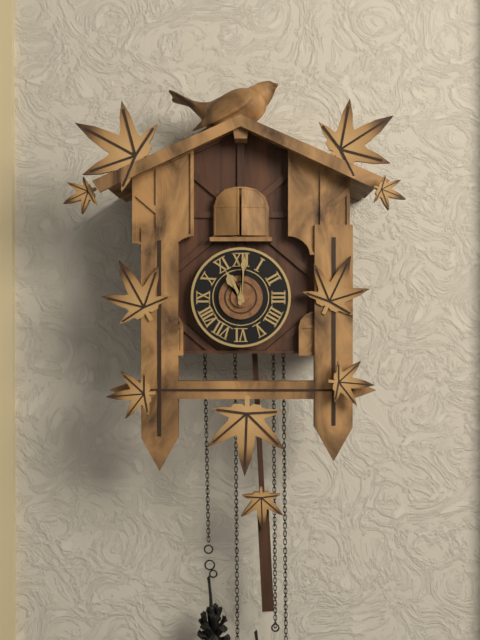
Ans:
11.01
